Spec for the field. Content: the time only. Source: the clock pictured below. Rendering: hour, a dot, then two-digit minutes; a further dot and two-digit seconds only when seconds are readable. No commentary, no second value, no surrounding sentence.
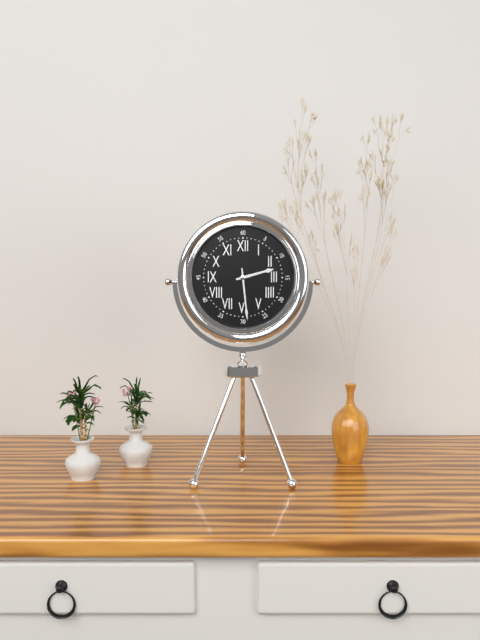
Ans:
2.29
